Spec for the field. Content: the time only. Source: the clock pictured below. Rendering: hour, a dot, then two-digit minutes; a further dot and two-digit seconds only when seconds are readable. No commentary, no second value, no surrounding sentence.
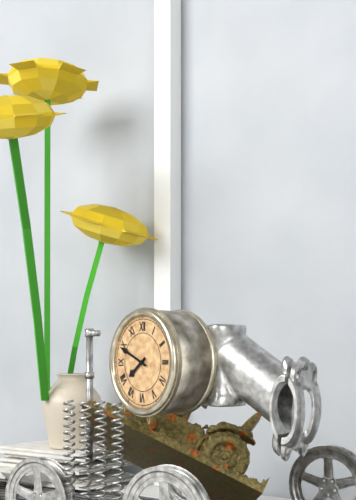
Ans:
7.49
